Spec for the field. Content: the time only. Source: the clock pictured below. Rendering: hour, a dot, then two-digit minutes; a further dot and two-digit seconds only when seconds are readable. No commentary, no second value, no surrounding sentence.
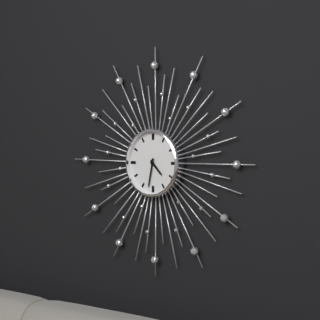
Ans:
4.32
